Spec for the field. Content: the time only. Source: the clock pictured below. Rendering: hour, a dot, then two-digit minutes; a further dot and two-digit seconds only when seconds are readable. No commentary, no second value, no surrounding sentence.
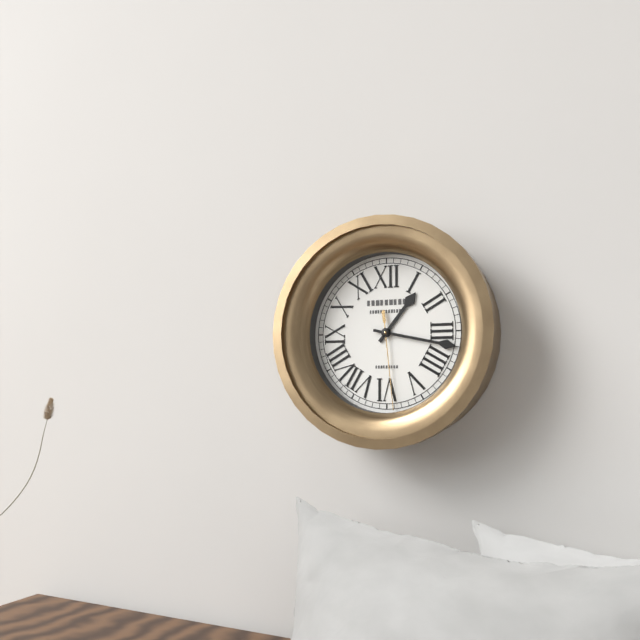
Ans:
1.17.29
